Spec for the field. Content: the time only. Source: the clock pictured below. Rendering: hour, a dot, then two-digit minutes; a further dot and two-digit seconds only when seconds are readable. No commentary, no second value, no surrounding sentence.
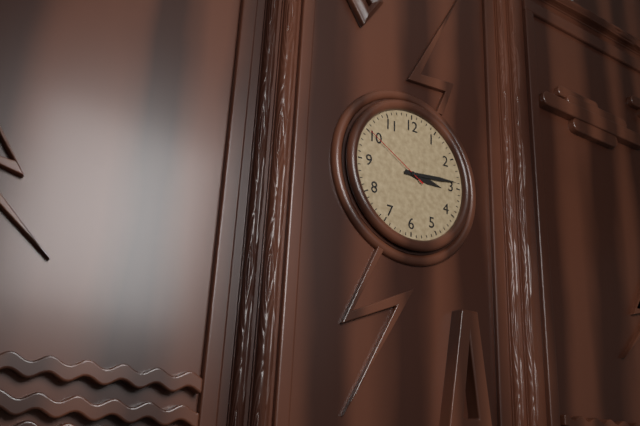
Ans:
3.14.50
